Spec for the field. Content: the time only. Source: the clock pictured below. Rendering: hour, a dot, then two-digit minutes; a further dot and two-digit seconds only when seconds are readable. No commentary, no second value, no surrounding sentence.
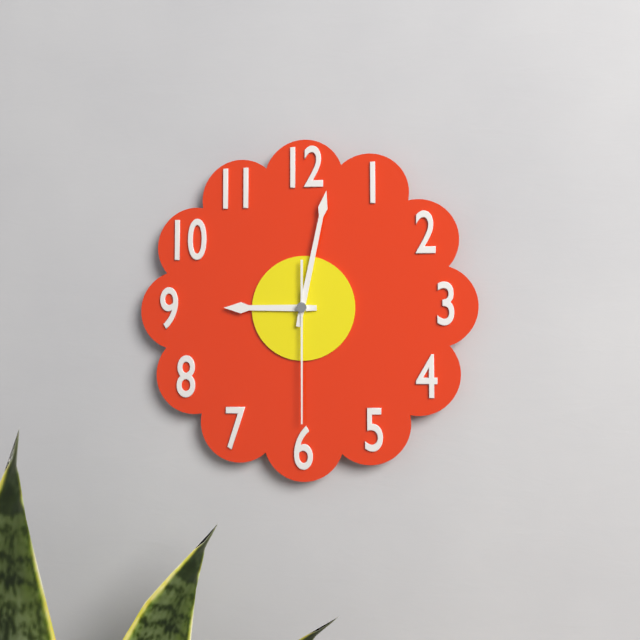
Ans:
9.02.30
